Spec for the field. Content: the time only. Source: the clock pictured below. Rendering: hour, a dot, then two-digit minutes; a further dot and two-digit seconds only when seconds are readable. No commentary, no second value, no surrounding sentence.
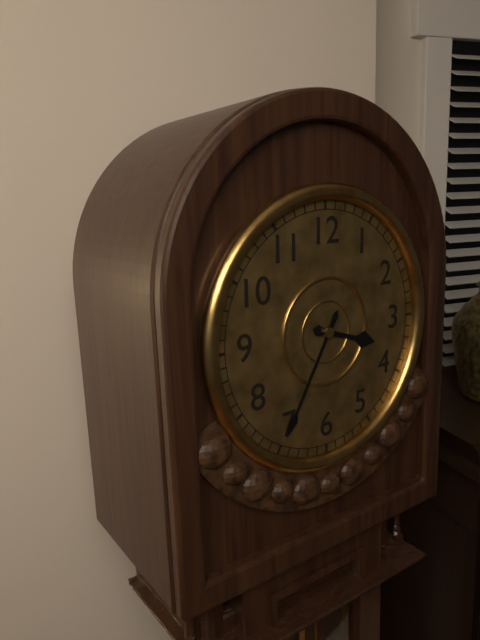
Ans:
3.35
